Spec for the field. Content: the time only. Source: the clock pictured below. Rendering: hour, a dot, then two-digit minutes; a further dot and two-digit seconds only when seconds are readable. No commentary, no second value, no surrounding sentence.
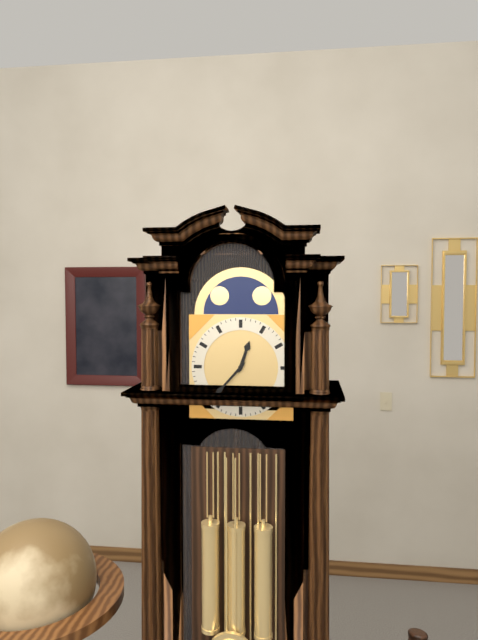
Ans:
12.37
